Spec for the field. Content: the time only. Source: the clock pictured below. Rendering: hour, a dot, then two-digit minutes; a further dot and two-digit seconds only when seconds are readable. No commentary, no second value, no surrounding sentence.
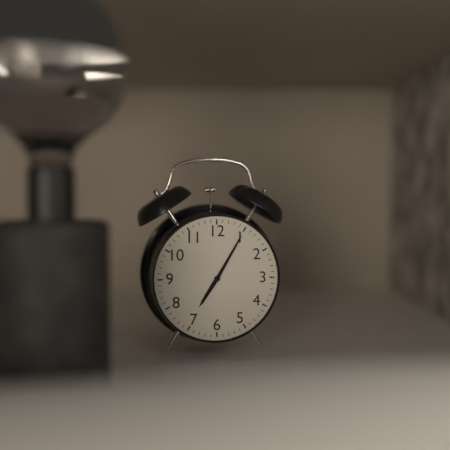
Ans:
7.05
